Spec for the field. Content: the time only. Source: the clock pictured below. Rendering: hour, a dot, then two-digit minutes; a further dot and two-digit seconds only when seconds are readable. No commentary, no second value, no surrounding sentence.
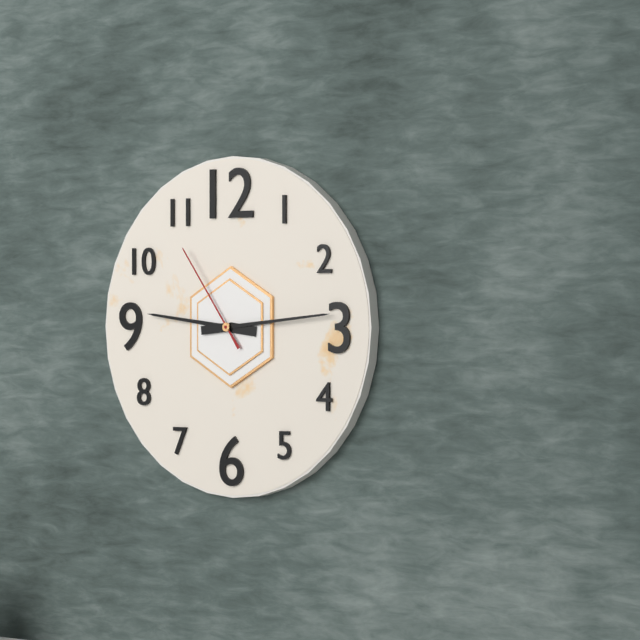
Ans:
9.14.54
